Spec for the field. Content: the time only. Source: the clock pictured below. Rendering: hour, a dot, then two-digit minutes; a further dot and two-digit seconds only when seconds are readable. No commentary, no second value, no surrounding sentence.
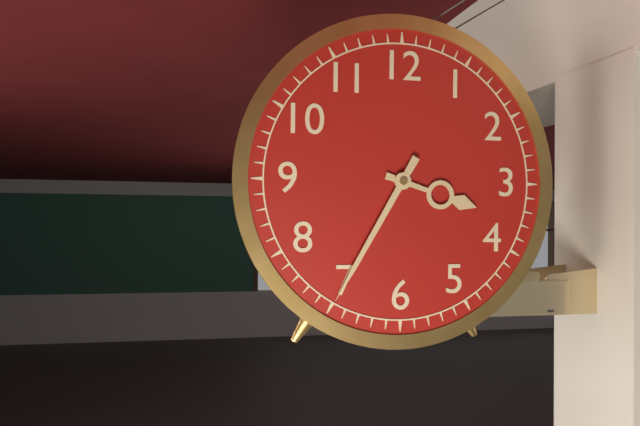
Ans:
3.35
